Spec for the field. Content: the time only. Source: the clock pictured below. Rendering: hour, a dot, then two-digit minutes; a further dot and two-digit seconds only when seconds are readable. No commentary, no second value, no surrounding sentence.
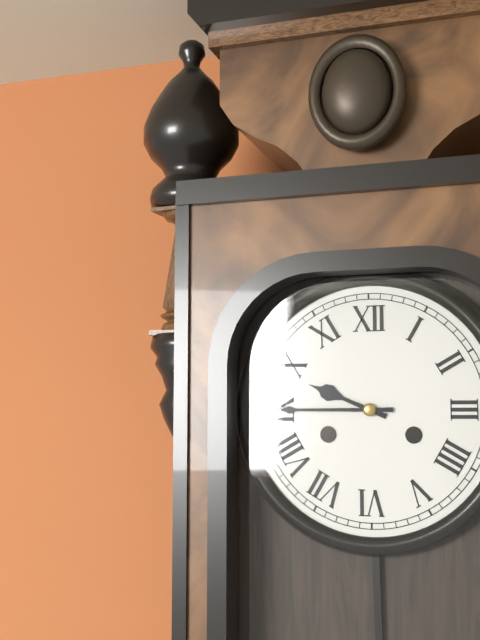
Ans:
9.45
